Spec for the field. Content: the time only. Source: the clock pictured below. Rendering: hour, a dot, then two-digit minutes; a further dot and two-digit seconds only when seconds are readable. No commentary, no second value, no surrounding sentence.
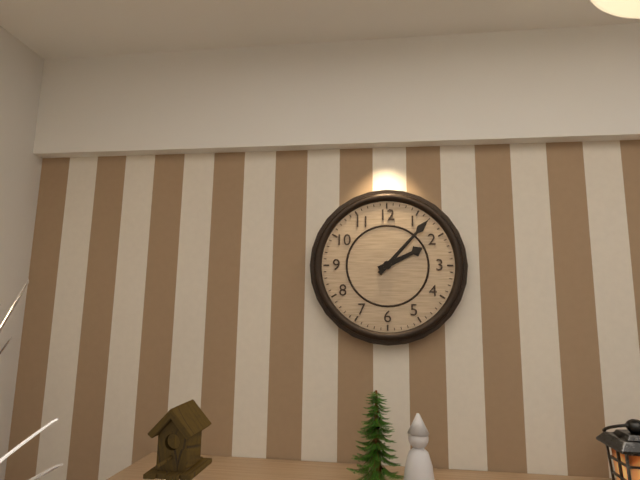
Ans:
2.07
